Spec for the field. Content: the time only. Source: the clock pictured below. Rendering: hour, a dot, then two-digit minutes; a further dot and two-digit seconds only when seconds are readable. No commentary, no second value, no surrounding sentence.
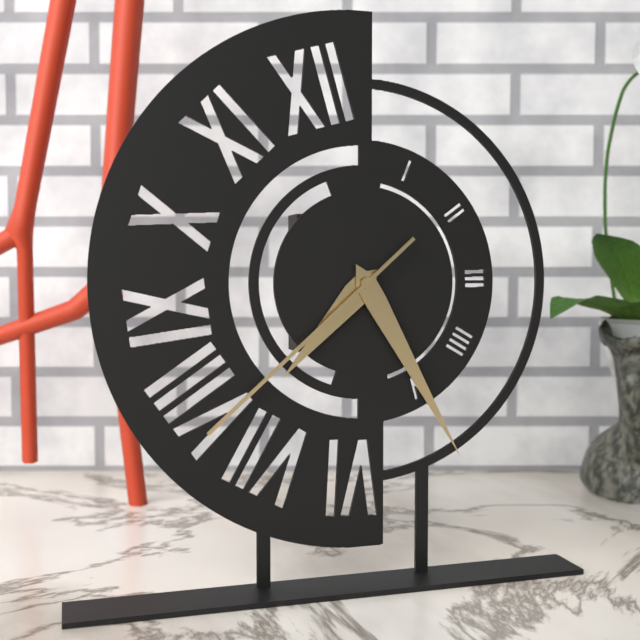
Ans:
7.25.38
